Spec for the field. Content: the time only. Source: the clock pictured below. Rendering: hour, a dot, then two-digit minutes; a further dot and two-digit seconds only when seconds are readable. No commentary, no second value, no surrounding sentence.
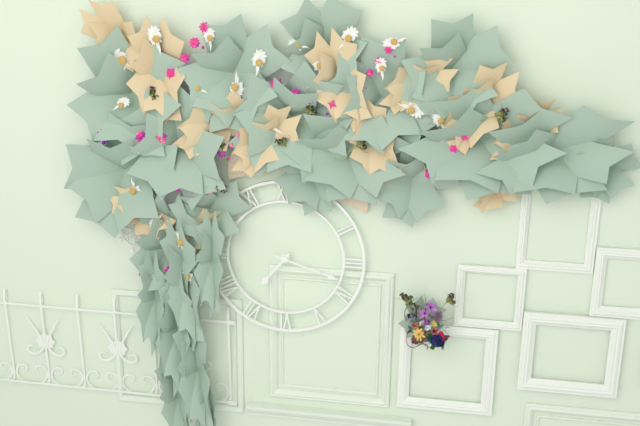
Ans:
7.18
